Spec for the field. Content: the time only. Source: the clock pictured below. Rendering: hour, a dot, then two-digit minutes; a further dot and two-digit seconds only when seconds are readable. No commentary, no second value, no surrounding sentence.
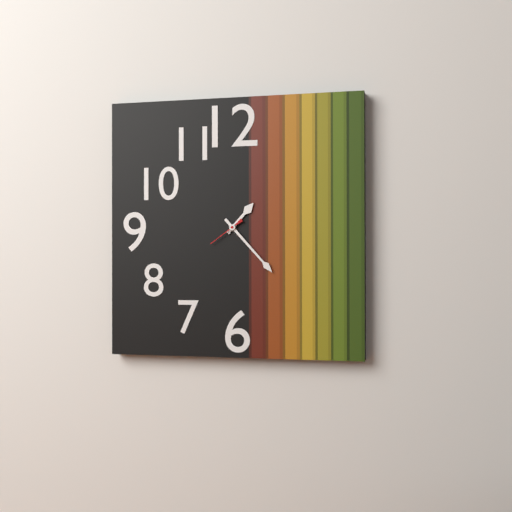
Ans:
1.23
